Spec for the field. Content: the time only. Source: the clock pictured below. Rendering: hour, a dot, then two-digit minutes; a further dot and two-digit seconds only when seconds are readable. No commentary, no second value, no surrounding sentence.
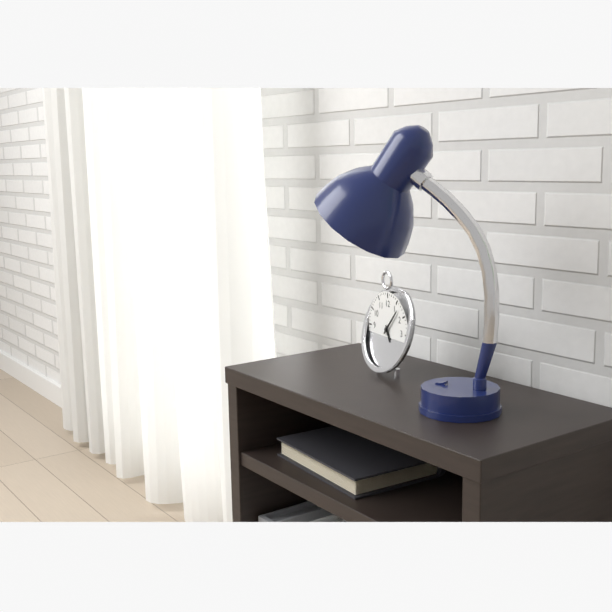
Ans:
5.07
